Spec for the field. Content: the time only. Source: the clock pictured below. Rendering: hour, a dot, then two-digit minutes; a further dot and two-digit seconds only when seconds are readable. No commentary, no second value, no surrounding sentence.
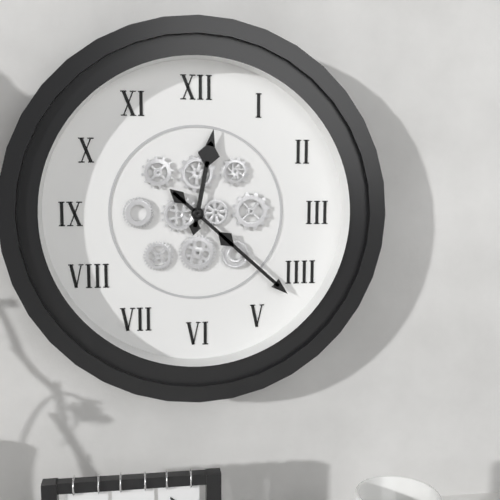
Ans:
12.22
